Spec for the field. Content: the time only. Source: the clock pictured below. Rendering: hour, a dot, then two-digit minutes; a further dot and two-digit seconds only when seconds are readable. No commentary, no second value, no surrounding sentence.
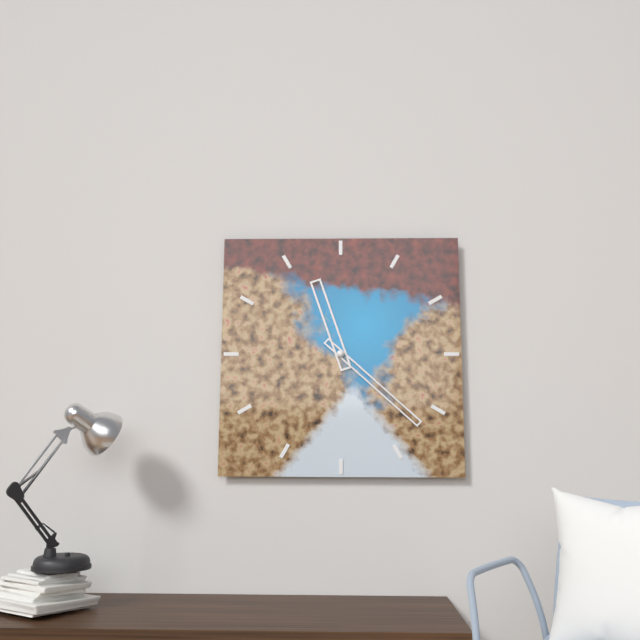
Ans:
11.22
